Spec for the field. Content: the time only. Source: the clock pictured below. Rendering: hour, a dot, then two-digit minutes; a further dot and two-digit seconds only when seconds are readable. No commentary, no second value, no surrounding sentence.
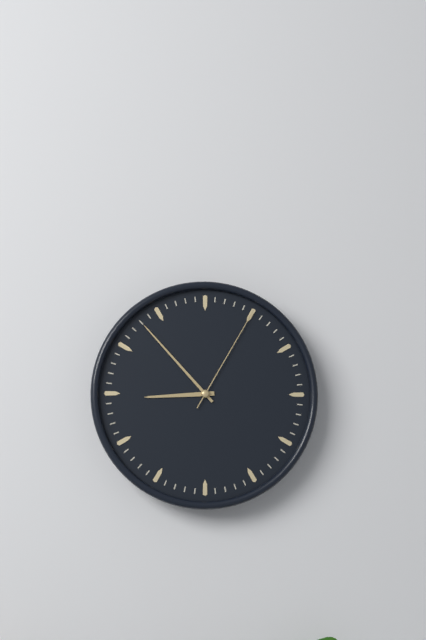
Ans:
8.53.05
